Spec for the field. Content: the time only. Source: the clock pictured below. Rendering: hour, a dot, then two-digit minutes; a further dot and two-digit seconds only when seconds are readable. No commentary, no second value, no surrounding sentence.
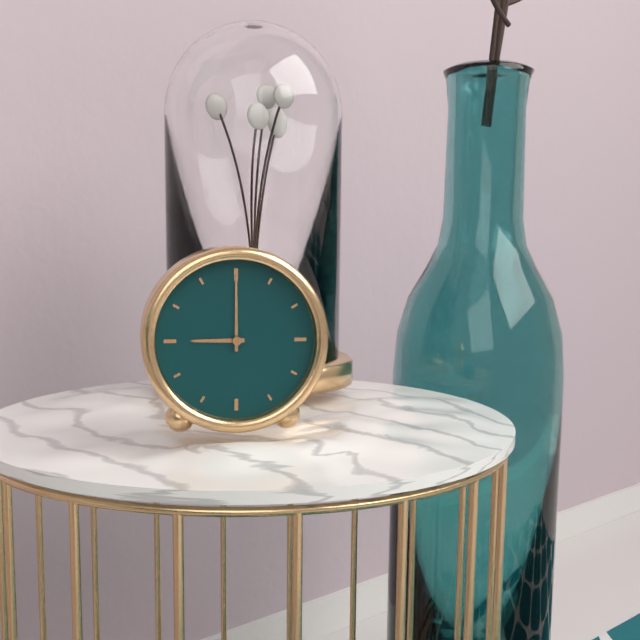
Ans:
9.00
